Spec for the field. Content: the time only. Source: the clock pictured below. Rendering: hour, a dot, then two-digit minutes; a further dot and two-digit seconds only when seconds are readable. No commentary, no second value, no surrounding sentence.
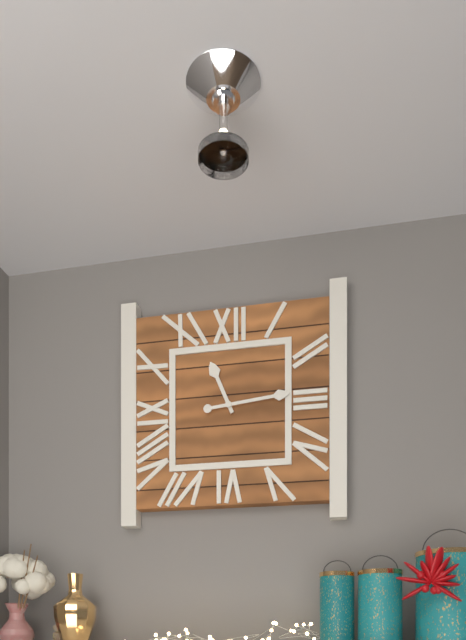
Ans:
11.14
